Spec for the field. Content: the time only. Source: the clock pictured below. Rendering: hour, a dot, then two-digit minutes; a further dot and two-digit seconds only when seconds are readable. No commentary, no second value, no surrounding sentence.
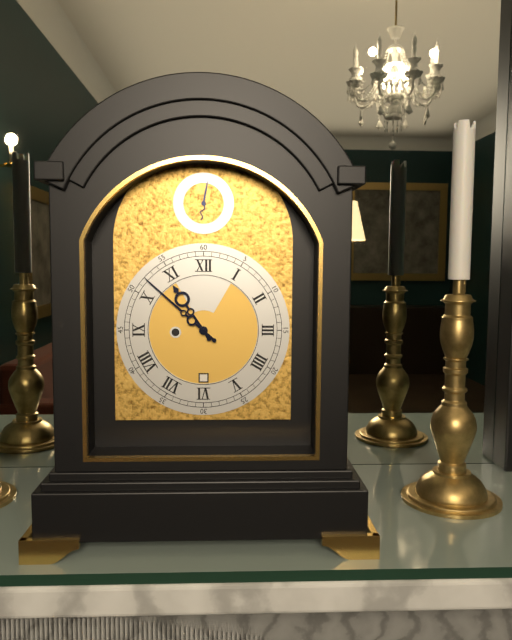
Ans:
10.52
